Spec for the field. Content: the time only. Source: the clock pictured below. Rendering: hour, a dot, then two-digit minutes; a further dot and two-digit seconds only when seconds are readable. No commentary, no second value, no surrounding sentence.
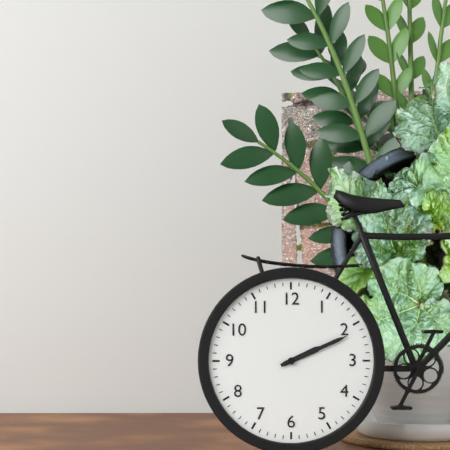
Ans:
2.11
